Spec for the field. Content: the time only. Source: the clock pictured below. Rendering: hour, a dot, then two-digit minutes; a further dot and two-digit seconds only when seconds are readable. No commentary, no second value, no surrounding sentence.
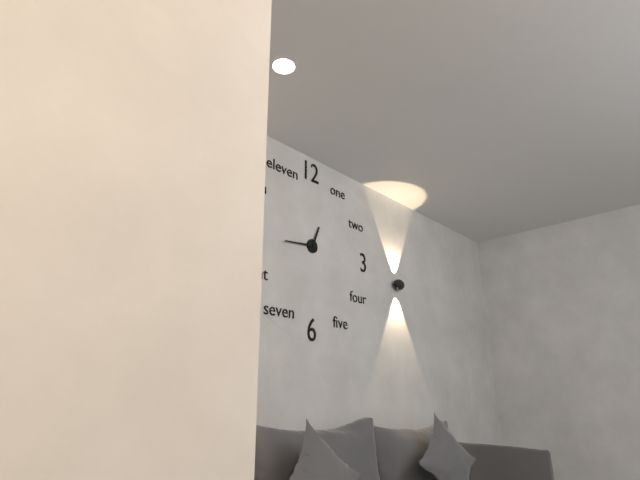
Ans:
12.44
